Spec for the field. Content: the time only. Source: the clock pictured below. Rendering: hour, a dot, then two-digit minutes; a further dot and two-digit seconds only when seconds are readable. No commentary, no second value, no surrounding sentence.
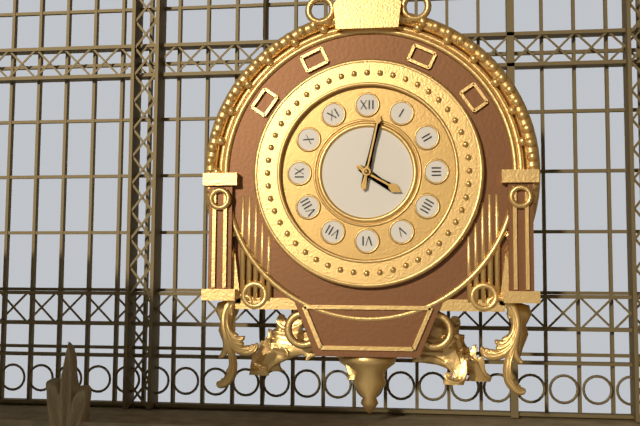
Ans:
4.02
